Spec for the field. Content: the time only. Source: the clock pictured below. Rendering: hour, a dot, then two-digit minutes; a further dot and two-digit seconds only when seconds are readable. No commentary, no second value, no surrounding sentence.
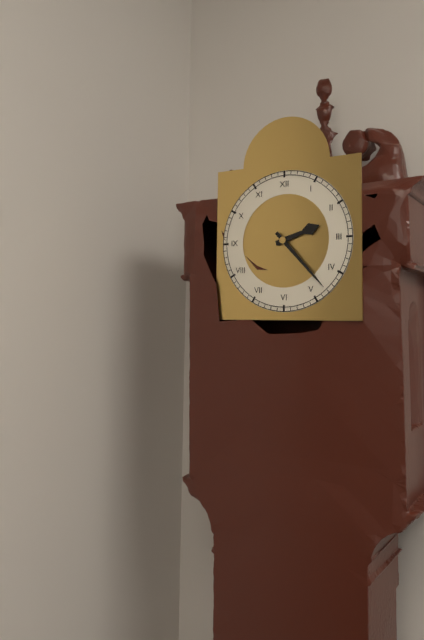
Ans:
2.23
